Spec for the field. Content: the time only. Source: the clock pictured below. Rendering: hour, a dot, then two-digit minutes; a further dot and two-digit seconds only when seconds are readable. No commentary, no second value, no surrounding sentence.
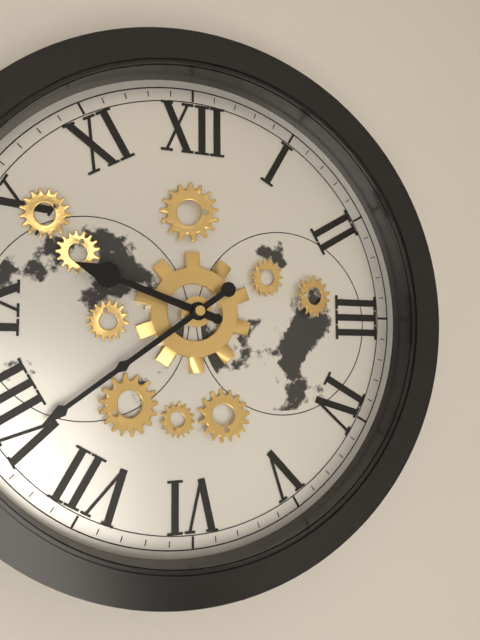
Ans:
9.39
